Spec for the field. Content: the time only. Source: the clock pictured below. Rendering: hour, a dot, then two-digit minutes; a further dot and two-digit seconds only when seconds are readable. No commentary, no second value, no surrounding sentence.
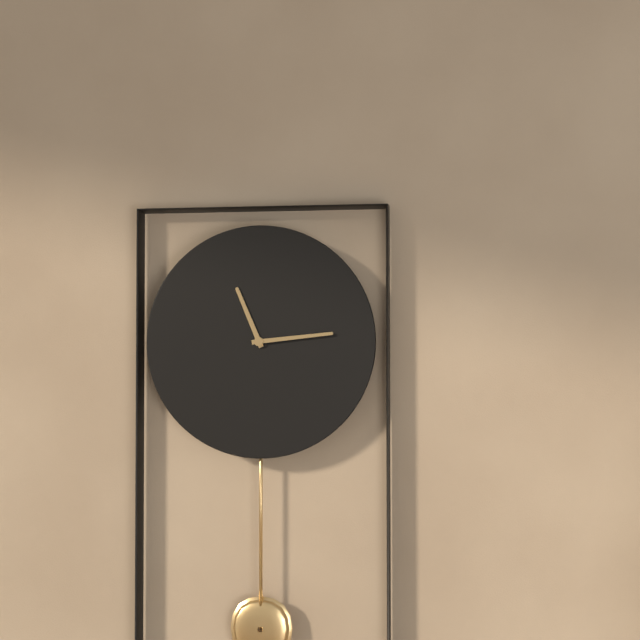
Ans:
11.14
